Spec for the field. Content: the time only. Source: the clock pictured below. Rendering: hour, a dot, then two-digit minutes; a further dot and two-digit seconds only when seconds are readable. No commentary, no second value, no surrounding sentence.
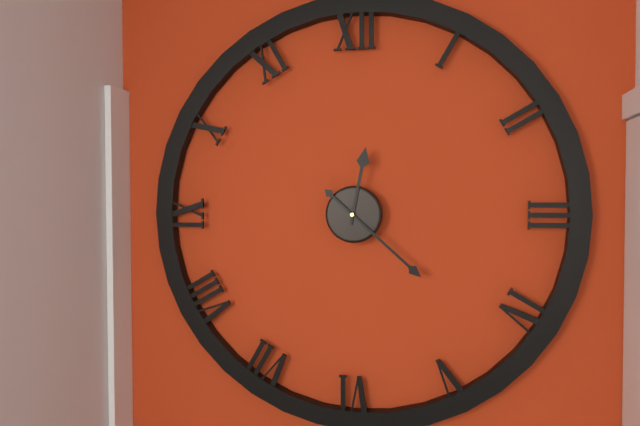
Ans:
12.22
